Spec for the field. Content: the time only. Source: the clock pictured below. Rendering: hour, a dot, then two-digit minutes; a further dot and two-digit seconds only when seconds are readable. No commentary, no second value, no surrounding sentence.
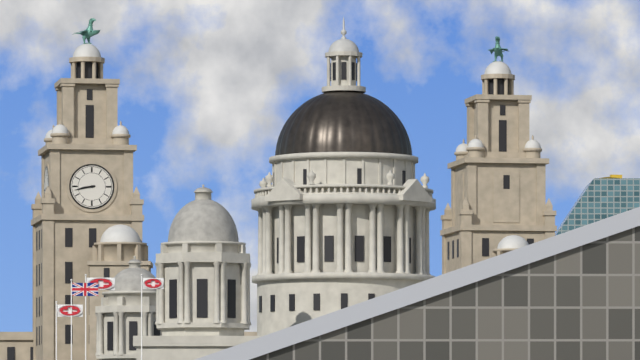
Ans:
8.43
